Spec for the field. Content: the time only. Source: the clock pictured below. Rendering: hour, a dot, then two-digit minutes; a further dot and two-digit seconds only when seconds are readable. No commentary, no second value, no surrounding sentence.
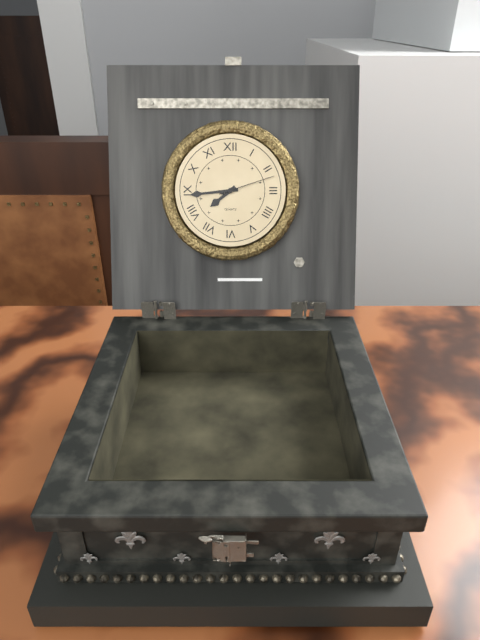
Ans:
7.44.12
